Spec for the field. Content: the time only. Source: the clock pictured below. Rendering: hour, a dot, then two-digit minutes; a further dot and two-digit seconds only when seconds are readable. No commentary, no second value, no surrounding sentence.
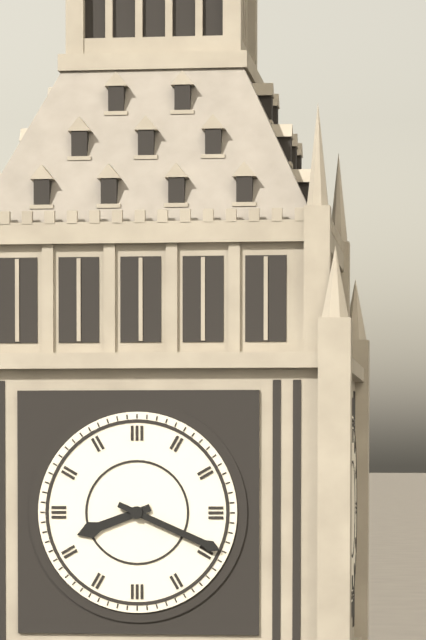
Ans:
8.19
